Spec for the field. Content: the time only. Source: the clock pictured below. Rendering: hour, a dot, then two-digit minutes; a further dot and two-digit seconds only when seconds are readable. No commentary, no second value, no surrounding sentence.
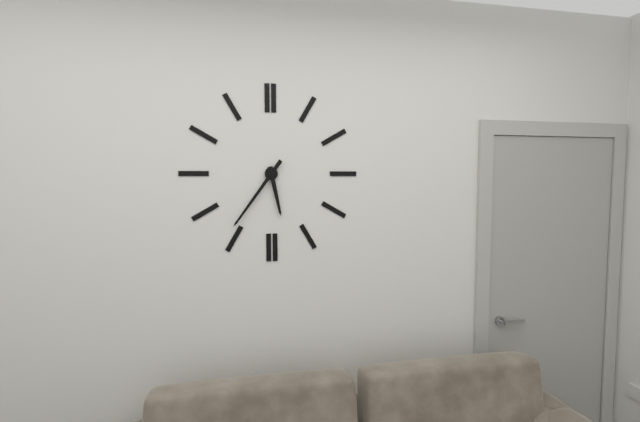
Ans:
5.36
